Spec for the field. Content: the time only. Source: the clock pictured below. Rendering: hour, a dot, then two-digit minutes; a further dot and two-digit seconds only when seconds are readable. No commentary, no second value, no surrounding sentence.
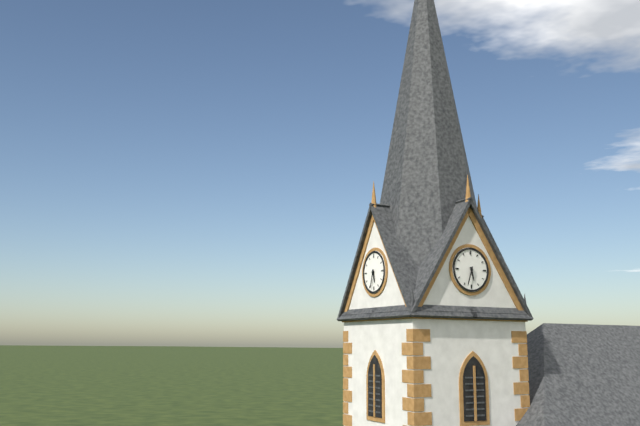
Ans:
5.33
